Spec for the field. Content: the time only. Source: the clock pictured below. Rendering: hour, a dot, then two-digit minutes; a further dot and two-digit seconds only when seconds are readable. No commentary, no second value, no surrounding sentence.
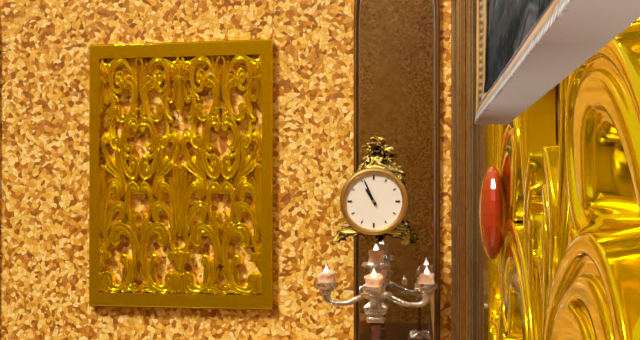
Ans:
10.56
